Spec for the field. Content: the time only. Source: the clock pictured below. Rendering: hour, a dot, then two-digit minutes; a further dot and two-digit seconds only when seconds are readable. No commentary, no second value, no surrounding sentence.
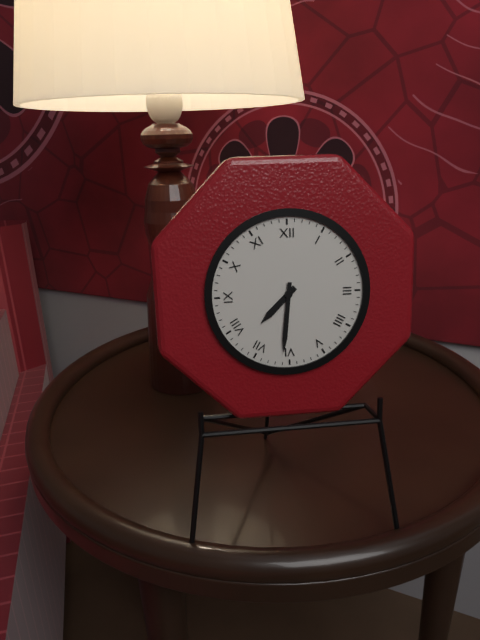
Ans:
7.31
